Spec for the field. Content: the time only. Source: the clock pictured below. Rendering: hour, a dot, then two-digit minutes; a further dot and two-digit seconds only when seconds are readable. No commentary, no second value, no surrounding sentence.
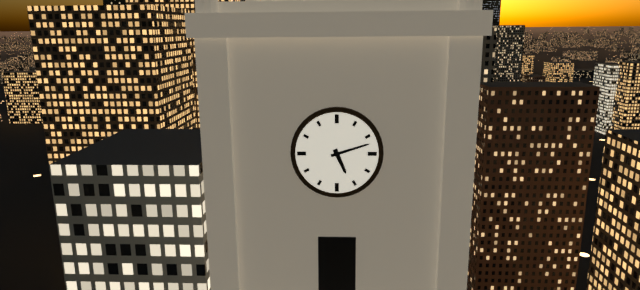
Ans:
5.12
